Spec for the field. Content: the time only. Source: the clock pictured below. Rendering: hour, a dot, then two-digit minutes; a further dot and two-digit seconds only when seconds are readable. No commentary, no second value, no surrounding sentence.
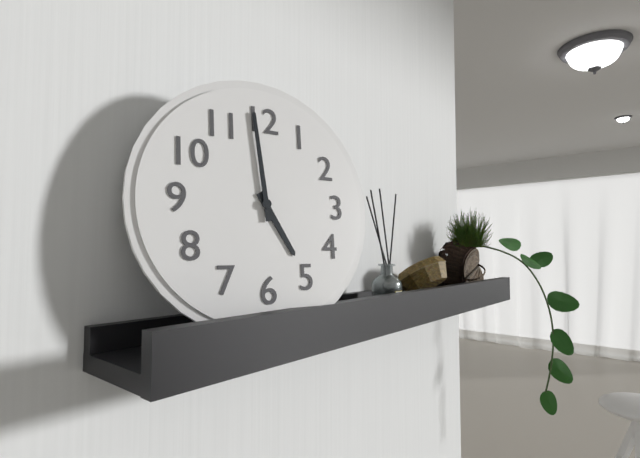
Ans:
4.59
